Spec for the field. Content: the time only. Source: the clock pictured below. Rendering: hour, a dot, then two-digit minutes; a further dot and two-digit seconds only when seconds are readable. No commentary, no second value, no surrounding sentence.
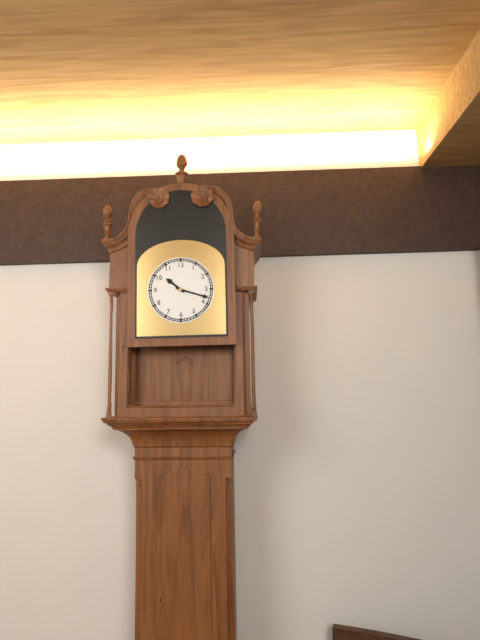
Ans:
10.18
